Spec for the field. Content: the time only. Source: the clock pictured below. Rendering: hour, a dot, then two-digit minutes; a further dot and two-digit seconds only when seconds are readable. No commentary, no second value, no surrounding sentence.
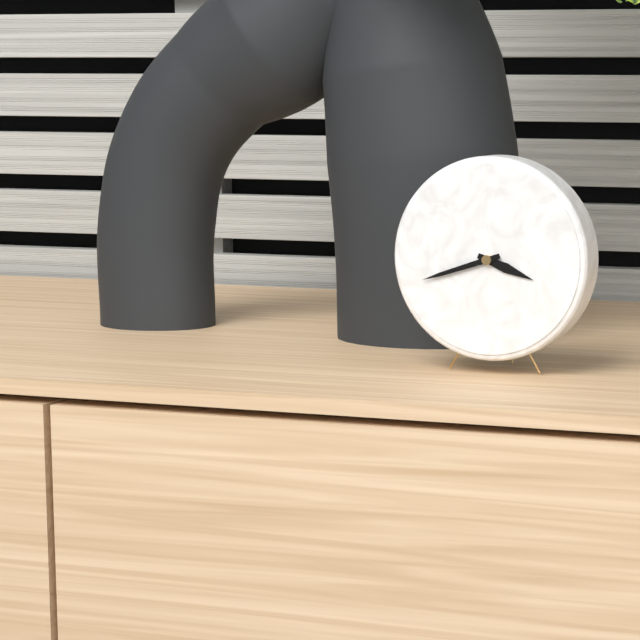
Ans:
3.42
